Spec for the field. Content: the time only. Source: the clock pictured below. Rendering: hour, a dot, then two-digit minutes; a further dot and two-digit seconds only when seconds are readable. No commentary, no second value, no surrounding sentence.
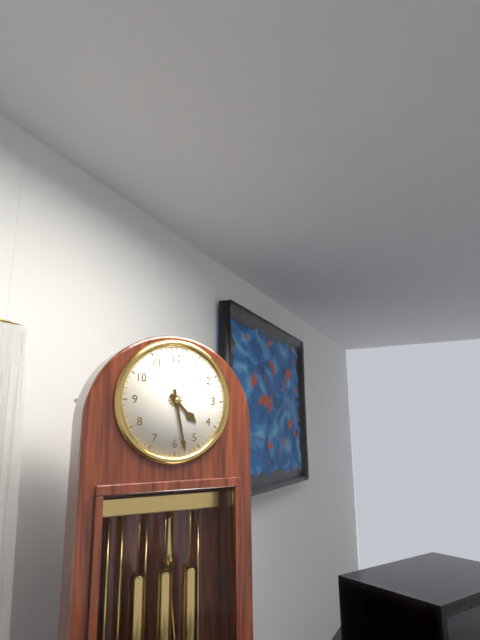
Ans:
4.28
